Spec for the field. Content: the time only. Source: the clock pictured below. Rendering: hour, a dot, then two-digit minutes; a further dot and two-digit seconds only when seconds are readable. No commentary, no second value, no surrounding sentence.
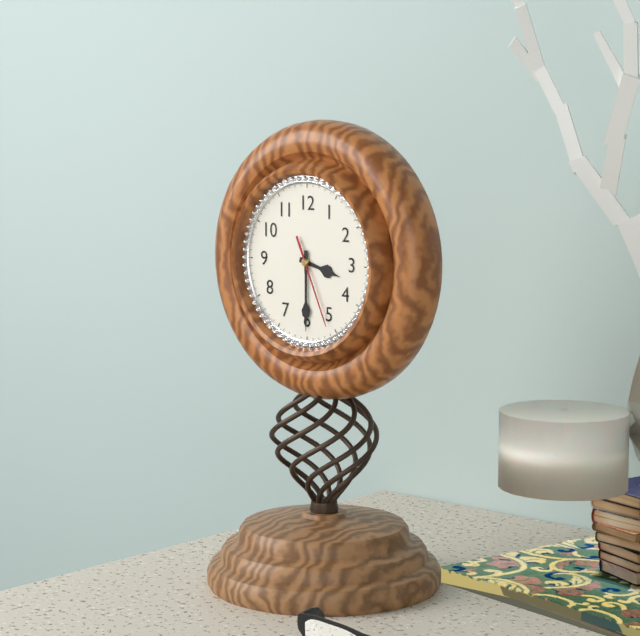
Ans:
3.30.26
